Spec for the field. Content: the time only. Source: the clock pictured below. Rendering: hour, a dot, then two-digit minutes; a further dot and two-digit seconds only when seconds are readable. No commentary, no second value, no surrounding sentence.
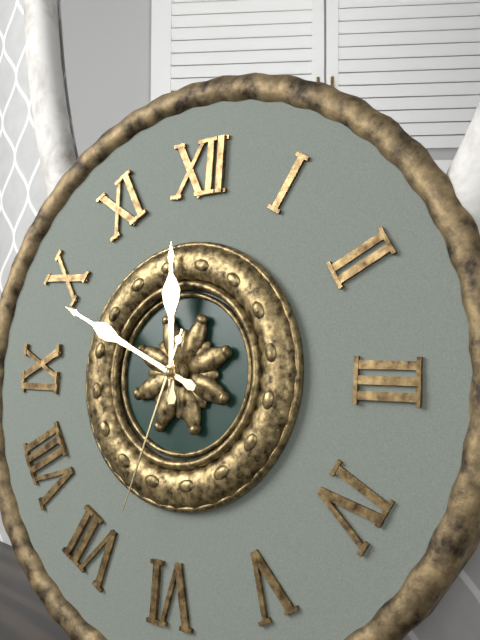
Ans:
11.49.33
